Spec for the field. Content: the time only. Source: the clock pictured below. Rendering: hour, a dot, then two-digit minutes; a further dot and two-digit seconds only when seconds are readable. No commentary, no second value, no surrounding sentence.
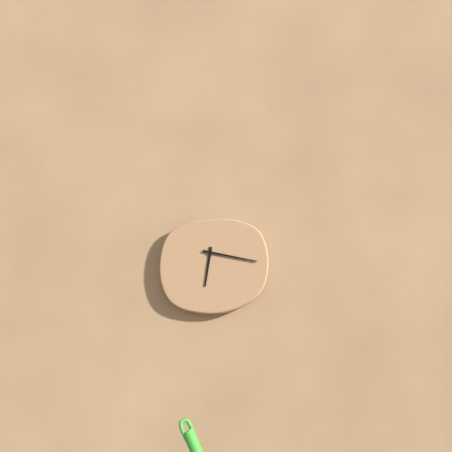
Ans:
6.17
